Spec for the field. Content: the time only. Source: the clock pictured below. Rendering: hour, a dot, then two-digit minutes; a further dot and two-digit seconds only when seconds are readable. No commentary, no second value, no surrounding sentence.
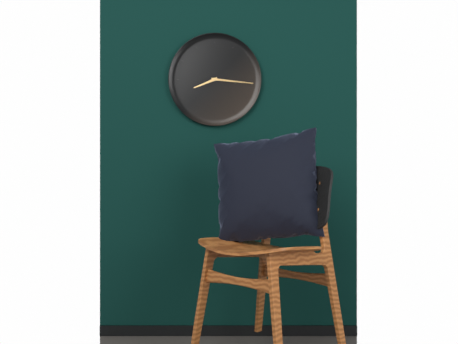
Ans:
8.16
